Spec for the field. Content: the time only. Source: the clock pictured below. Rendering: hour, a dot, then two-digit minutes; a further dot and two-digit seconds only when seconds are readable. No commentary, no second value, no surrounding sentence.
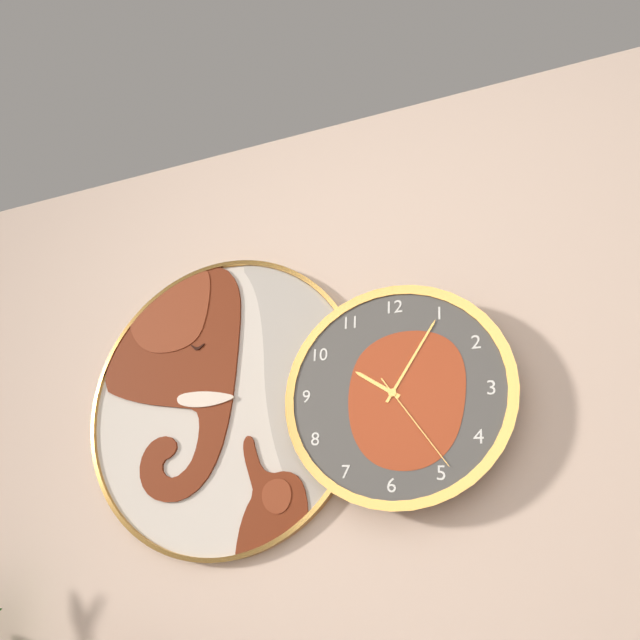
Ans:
10.05.24
